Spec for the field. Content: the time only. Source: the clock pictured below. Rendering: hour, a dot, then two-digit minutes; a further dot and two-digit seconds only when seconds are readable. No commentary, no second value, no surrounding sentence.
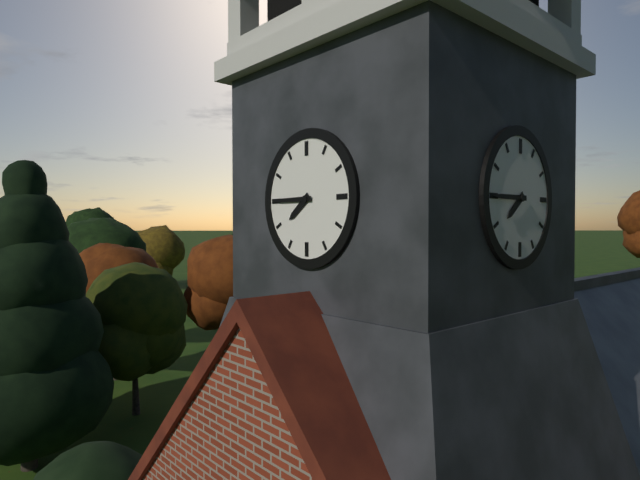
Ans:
7.45
